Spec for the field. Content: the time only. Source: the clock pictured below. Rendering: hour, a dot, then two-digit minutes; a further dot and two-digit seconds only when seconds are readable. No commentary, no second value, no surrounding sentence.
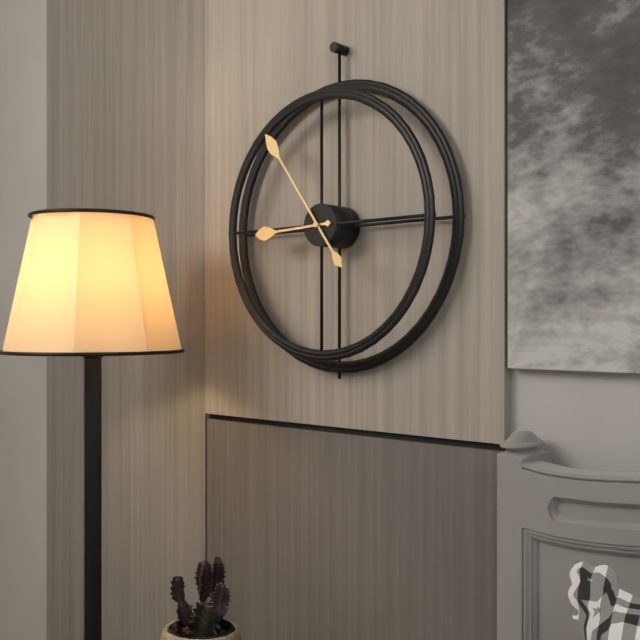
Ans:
8.54
